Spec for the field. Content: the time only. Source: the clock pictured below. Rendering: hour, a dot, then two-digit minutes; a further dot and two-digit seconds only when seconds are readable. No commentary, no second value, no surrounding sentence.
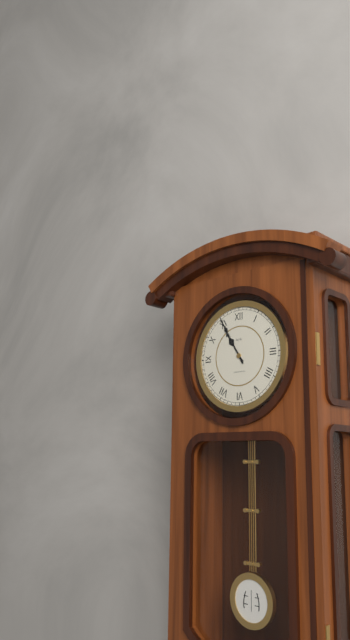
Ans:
10.55
